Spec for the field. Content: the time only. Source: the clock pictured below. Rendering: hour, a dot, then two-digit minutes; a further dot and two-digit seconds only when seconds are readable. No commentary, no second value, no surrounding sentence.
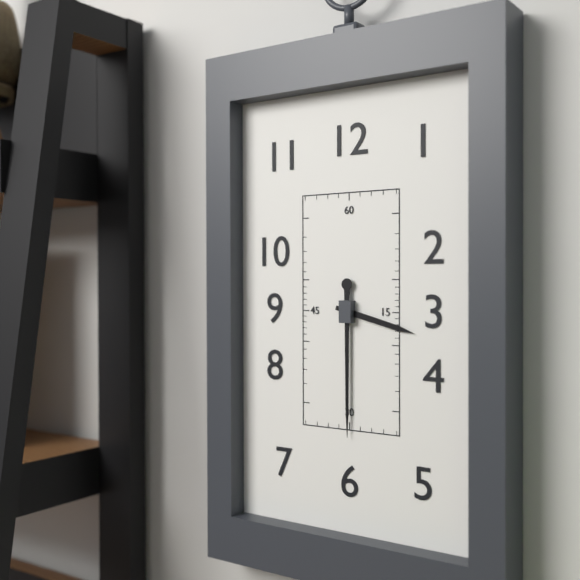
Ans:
3.30
